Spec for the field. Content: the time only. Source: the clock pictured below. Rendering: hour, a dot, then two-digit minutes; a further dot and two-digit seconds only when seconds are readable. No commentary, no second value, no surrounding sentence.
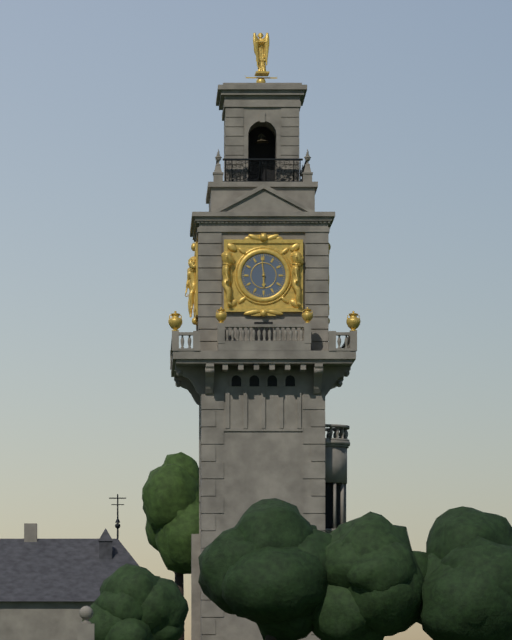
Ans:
5.59
